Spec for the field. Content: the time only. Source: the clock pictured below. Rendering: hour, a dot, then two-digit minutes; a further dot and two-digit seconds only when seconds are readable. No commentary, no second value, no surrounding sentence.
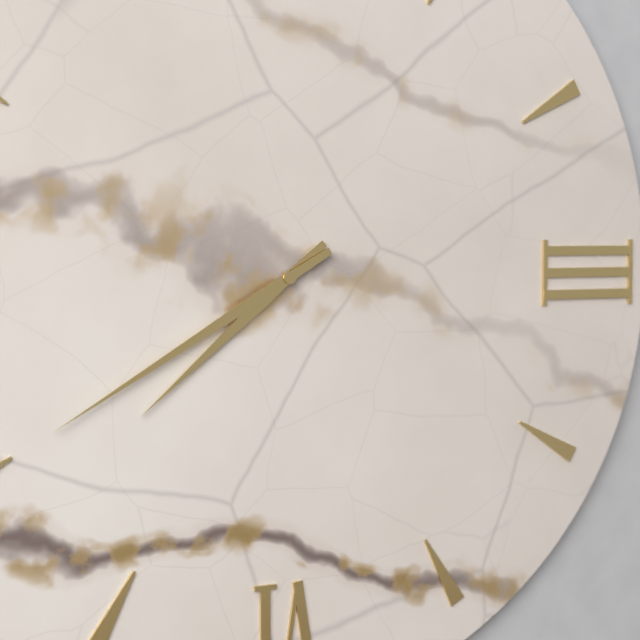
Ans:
7.40
